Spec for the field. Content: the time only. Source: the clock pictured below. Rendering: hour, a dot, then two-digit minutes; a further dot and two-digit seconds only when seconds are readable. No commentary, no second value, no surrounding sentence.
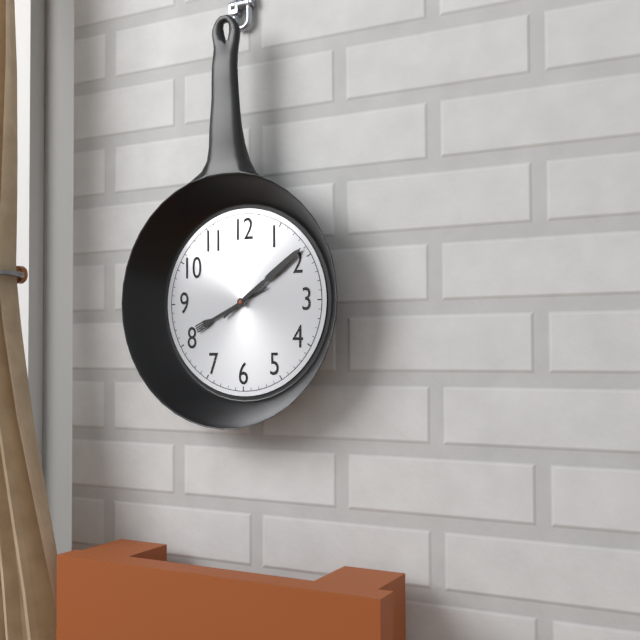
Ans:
8.09
